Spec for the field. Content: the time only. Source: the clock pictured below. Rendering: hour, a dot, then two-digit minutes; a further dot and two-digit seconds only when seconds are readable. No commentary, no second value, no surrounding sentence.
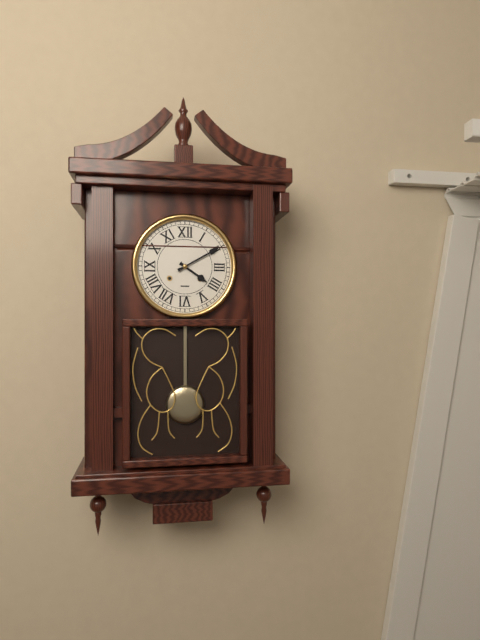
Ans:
4.10
